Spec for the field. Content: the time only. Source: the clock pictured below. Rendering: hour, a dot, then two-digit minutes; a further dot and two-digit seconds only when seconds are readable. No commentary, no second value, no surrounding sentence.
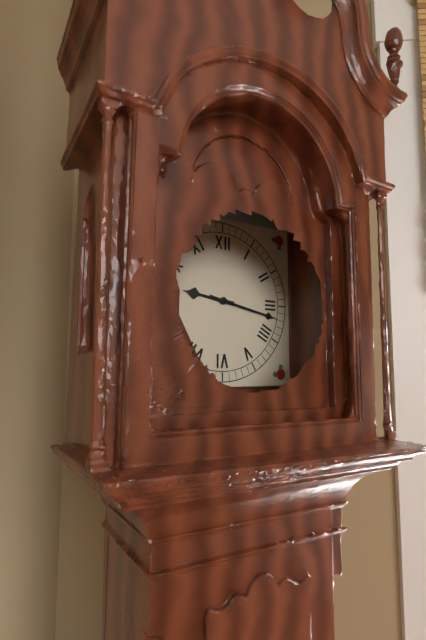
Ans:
9.17
